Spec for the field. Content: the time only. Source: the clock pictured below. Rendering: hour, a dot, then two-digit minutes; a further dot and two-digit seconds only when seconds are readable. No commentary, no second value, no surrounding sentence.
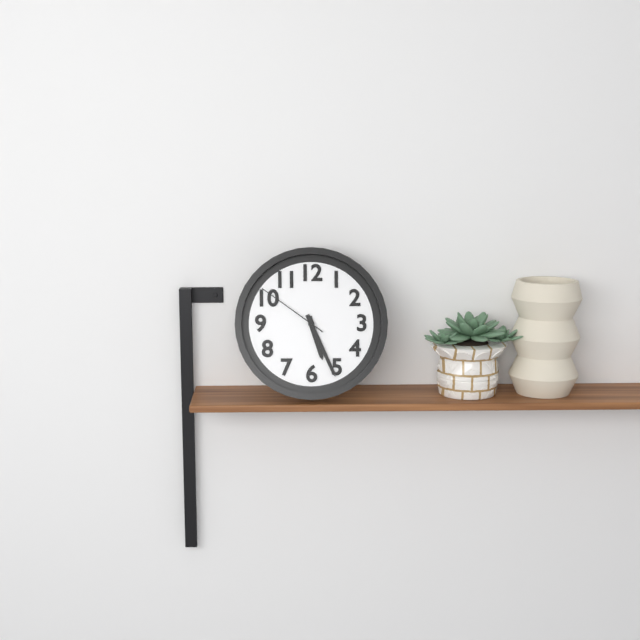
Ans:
5.26.51
